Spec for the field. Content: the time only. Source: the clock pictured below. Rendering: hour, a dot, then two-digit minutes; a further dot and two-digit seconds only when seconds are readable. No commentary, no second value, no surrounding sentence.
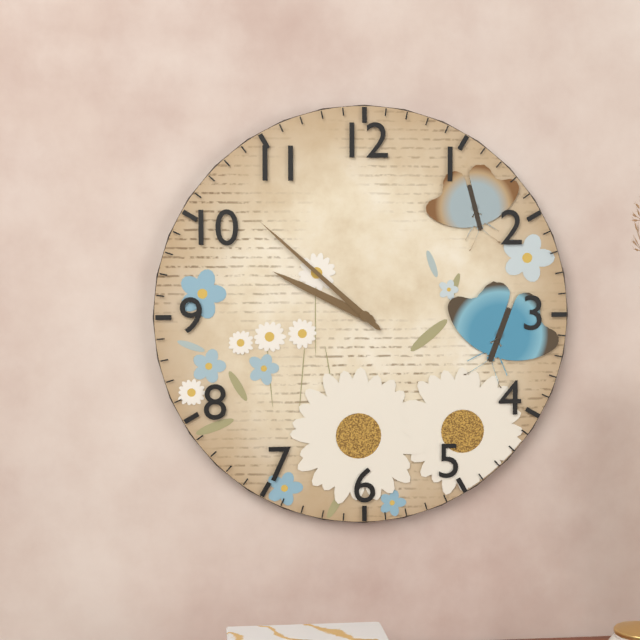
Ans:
9.52
